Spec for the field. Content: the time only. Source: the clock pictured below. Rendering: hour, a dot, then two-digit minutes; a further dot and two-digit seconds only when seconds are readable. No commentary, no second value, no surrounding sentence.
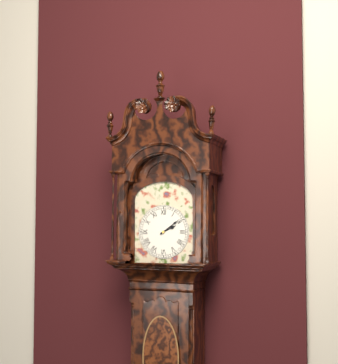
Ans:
2.09
